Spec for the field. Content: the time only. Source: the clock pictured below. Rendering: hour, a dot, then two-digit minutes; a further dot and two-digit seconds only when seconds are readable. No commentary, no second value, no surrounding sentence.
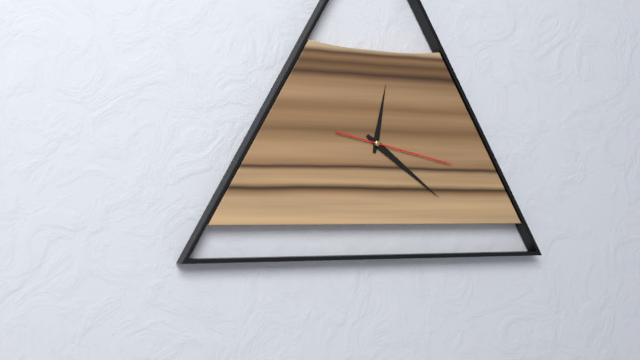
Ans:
12.21.17
